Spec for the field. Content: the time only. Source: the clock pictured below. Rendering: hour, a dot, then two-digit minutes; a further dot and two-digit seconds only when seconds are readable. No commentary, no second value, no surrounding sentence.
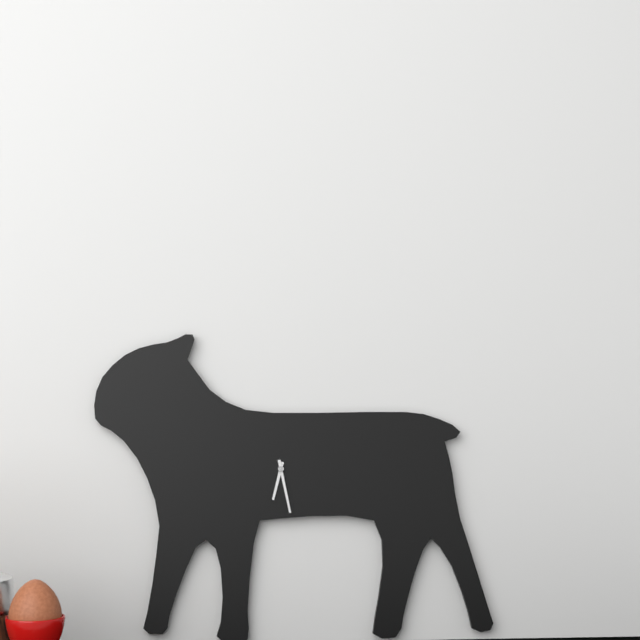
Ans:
6.28
